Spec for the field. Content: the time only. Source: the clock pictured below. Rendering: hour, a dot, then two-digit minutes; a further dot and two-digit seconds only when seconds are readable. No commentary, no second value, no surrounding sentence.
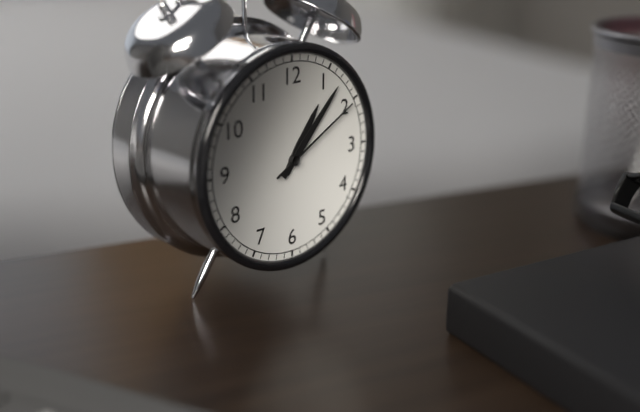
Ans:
1.07.10
